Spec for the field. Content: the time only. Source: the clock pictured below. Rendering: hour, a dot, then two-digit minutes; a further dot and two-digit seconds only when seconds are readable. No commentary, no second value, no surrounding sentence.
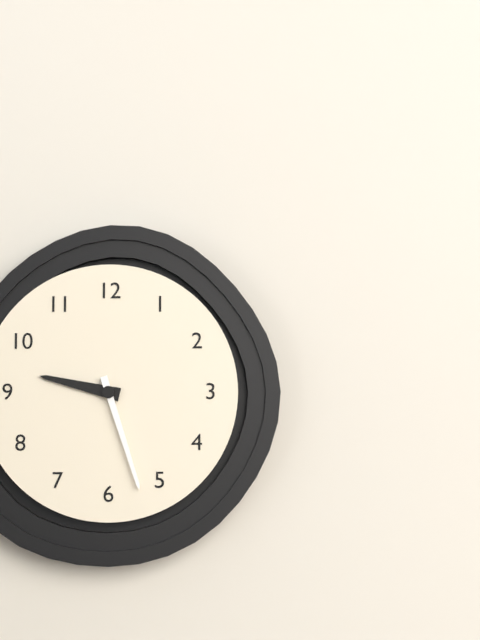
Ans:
9.27
